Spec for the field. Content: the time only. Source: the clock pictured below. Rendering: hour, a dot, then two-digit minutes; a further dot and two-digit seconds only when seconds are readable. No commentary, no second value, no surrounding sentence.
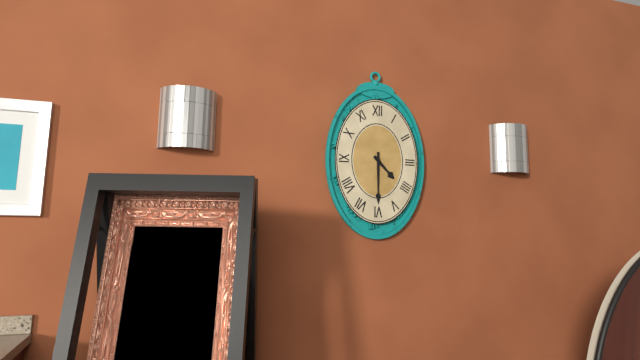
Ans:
4.30
